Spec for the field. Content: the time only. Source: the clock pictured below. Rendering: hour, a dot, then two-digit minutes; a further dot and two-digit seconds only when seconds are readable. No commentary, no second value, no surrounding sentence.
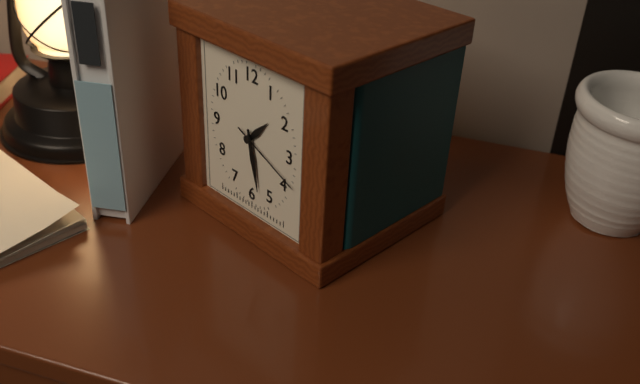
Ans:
1.28.19
